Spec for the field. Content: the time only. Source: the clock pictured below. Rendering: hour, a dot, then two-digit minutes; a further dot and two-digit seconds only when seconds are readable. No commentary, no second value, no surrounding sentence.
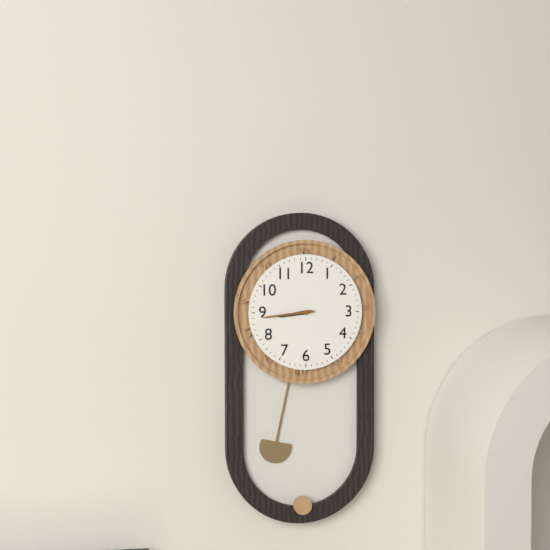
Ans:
8.44
